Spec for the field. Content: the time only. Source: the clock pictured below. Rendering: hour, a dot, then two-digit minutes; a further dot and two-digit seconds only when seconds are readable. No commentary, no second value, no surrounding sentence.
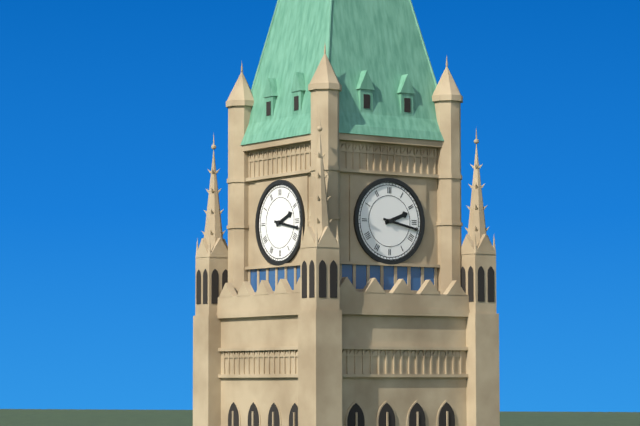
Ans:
2.17
